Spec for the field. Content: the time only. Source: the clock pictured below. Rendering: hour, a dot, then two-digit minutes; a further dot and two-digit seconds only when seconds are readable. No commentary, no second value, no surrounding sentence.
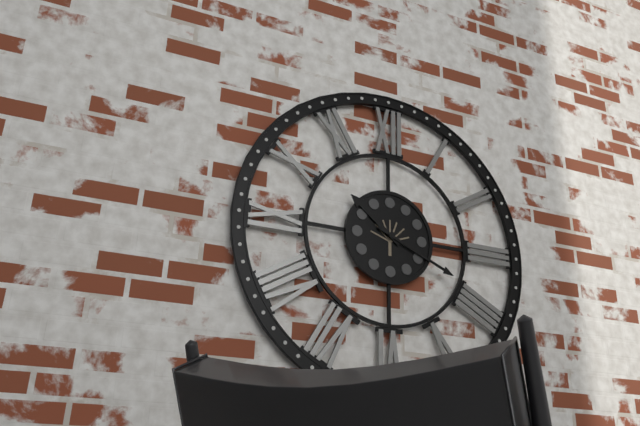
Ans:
10.19
